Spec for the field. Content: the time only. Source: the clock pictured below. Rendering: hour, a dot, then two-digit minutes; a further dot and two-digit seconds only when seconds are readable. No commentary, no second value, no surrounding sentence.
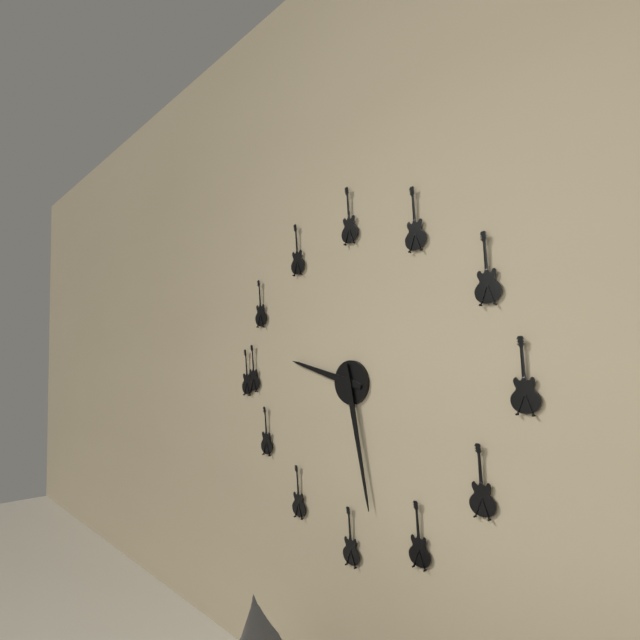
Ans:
9.28
